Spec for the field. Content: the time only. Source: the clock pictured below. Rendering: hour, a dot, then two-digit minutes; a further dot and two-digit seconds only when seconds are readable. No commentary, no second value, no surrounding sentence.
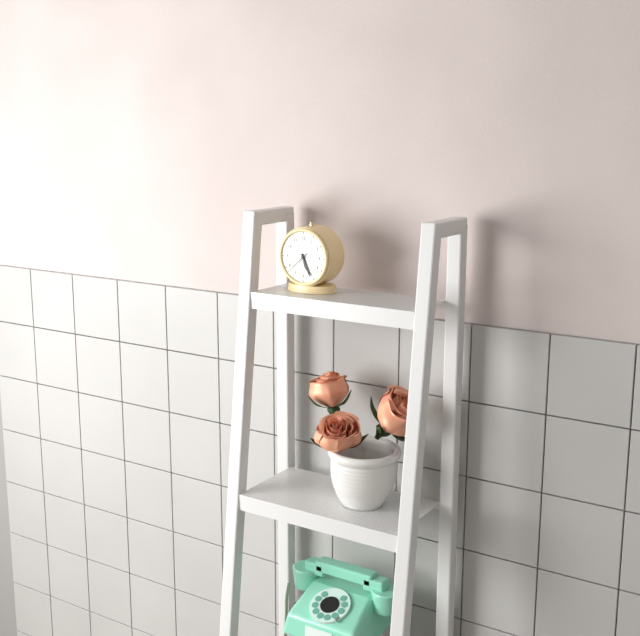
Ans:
5.26
